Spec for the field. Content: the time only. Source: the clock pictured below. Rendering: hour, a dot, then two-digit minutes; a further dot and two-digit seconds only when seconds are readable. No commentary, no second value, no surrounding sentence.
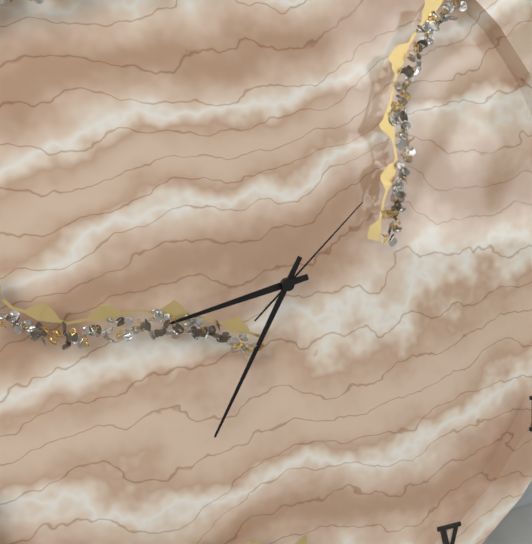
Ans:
8.35.08
